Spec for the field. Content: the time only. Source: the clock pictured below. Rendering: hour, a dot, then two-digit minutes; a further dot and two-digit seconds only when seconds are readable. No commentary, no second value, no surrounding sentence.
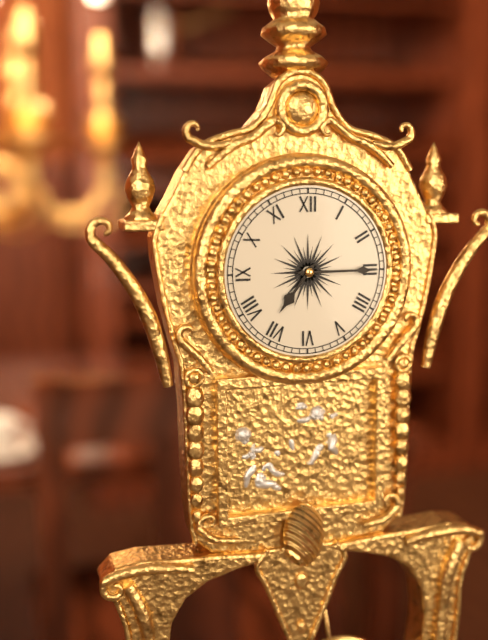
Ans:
7.15
